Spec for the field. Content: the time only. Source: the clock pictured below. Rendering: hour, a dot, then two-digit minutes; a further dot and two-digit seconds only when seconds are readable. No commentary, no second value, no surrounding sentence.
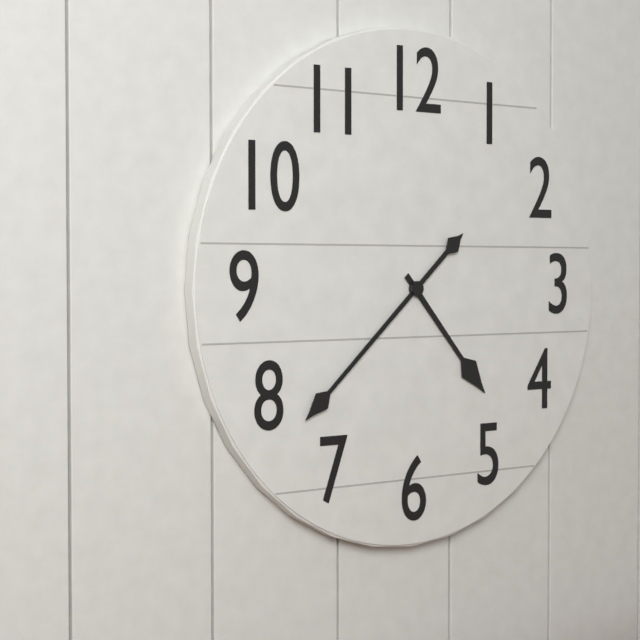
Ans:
4.38
